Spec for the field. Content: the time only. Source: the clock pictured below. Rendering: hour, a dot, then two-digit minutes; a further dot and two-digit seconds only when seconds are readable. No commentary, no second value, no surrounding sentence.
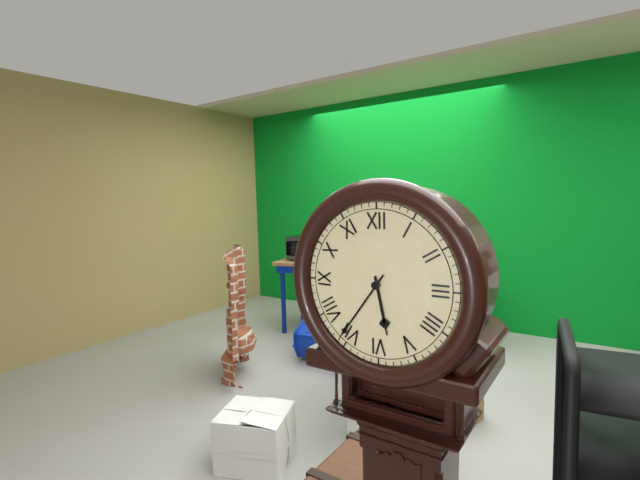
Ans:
5.36
